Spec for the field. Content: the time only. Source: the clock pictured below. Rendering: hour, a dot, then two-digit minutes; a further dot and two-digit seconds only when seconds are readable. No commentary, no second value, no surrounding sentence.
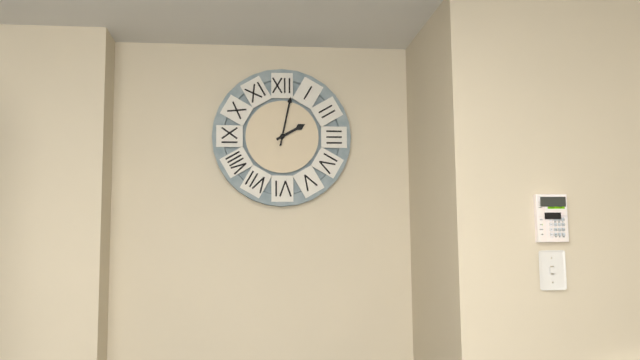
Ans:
2.02
